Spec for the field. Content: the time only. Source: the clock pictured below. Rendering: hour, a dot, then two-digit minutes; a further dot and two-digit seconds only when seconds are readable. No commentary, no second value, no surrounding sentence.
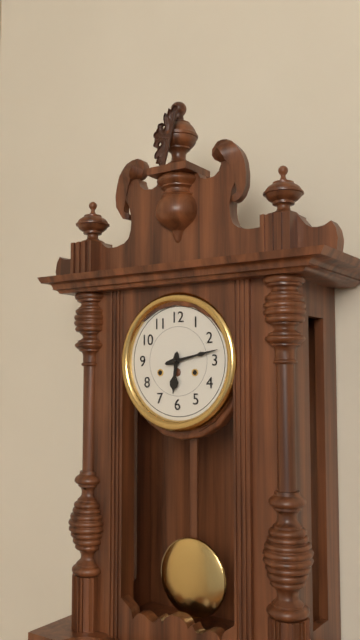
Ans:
6.13
